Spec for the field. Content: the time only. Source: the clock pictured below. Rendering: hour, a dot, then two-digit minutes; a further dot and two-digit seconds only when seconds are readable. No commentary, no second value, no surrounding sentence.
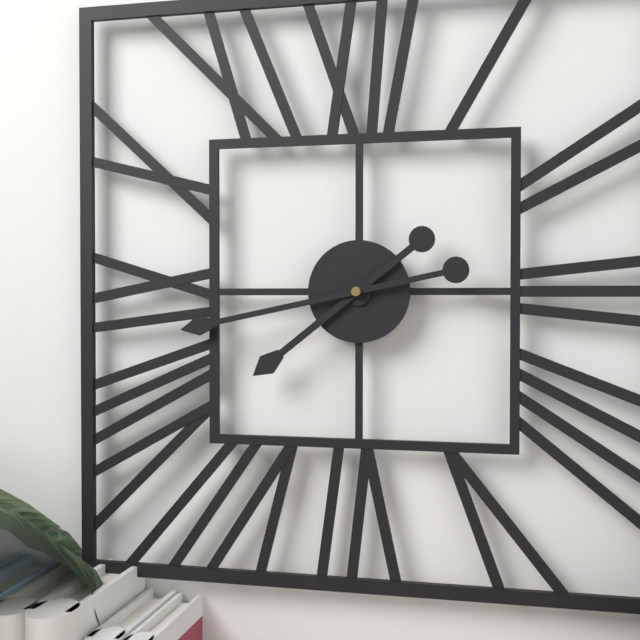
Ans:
7.43
